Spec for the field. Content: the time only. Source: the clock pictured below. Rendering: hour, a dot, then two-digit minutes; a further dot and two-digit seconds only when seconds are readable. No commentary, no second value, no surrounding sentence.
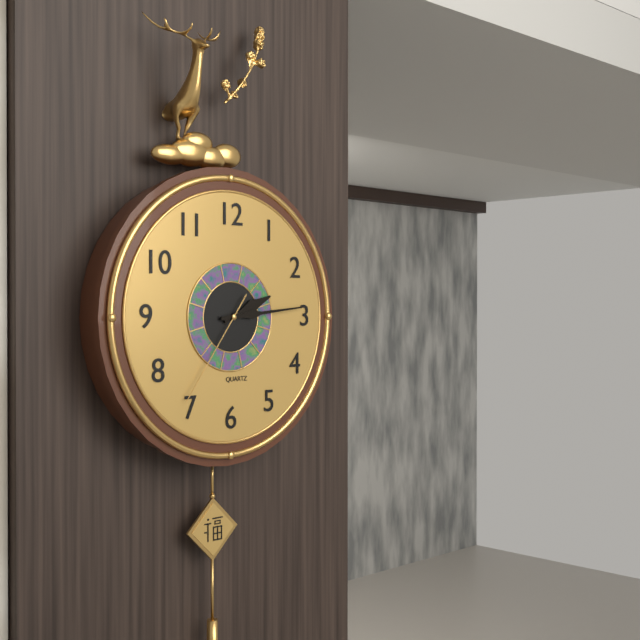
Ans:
2.14.36
